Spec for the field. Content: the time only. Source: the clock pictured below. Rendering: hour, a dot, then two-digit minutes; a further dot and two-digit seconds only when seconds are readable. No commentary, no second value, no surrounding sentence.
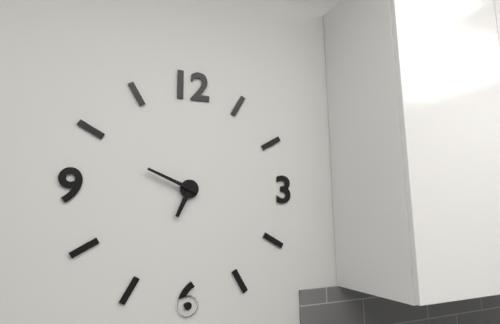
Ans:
6.49
